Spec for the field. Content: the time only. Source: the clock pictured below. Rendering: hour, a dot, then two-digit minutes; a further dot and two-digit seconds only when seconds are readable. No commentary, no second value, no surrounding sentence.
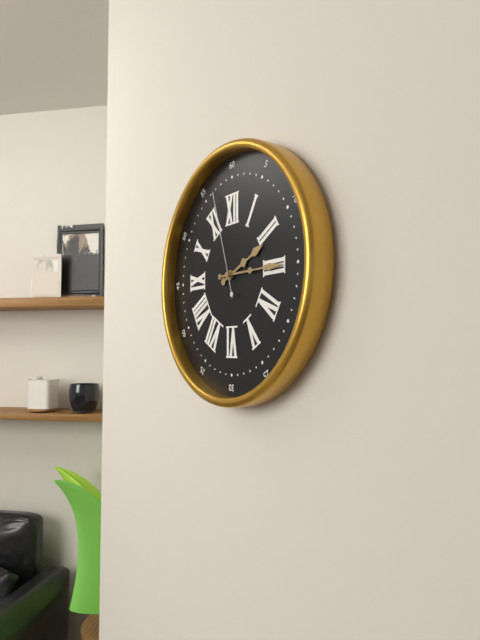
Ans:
2.15.57
